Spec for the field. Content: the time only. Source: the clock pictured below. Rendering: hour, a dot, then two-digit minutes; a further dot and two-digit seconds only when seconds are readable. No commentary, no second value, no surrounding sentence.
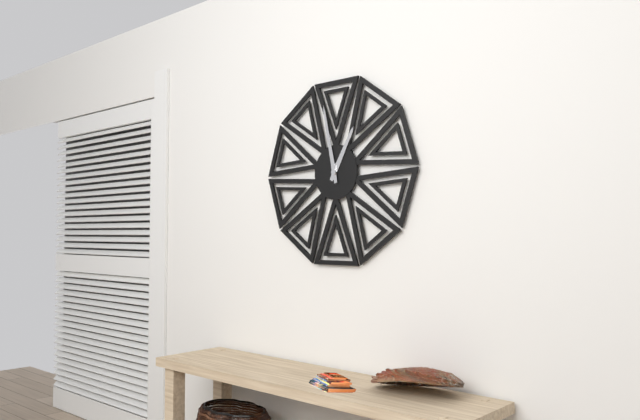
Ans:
12.58
